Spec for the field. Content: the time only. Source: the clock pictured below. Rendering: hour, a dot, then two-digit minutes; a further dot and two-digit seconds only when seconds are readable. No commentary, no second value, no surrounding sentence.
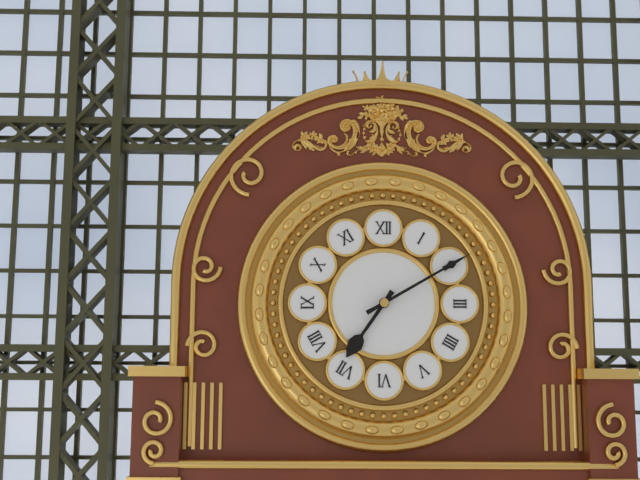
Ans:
7.10
